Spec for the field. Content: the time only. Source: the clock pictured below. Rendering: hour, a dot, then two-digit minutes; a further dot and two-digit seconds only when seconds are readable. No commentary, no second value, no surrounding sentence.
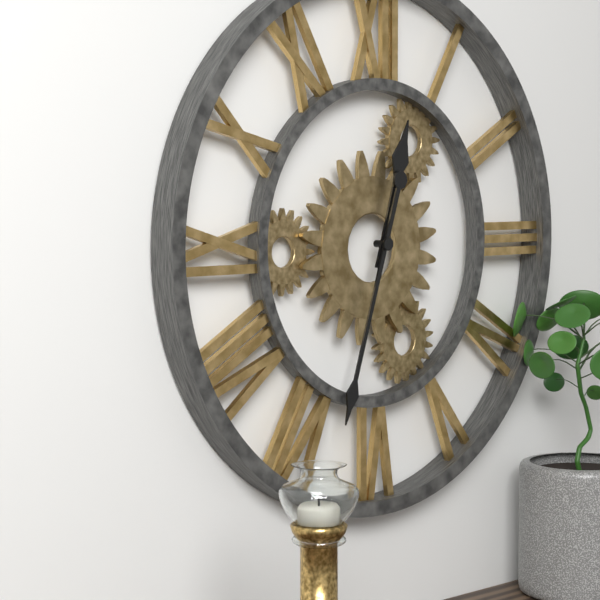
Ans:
12.33
